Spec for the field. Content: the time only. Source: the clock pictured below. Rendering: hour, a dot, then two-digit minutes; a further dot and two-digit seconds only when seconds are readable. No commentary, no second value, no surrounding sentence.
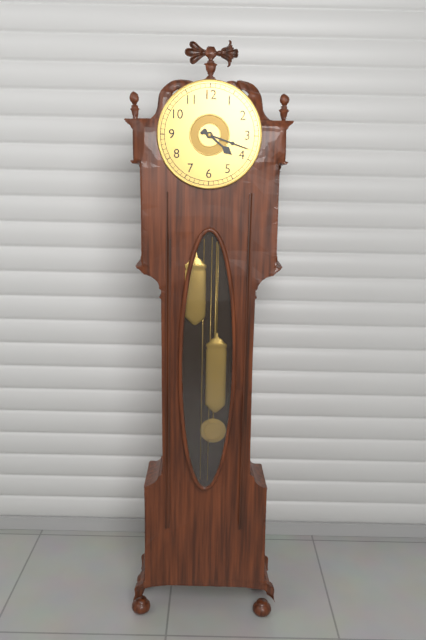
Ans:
4.18
